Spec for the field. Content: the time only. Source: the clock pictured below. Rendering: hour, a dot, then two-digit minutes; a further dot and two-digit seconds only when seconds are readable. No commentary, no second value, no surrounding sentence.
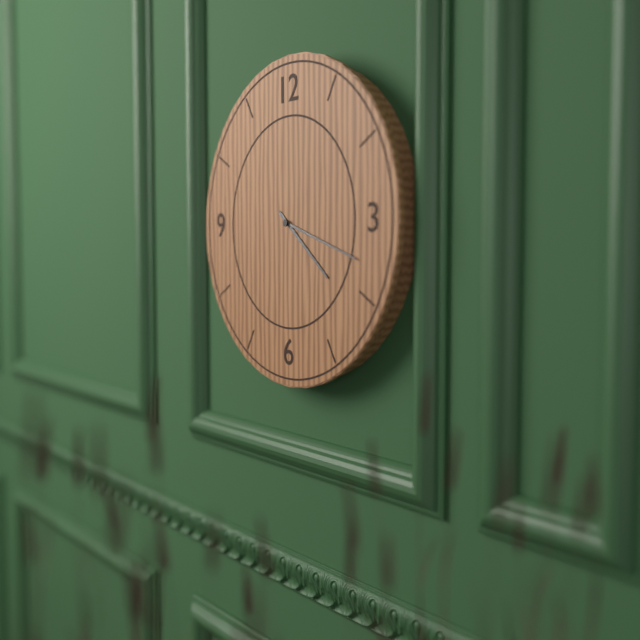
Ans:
4.18
